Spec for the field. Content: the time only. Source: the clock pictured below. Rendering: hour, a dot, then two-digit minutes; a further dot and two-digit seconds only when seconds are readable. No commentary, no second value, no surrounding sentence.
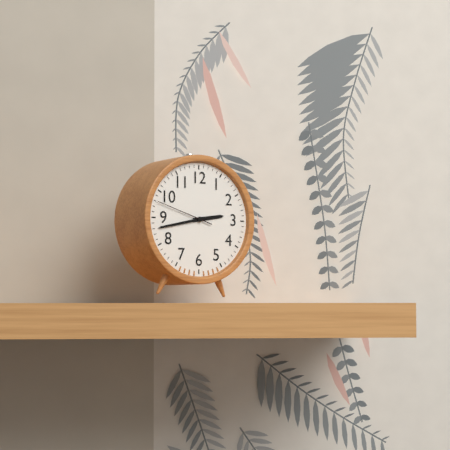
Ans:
2.43.48
